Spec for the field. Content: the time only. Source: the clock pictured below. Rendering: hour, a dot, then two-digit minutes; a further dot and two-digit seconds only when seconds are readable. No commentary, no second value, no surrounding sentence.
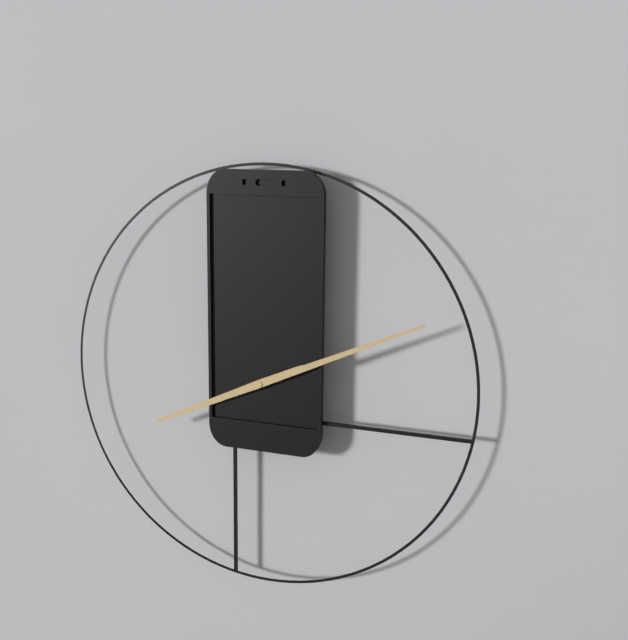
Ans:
8.11
